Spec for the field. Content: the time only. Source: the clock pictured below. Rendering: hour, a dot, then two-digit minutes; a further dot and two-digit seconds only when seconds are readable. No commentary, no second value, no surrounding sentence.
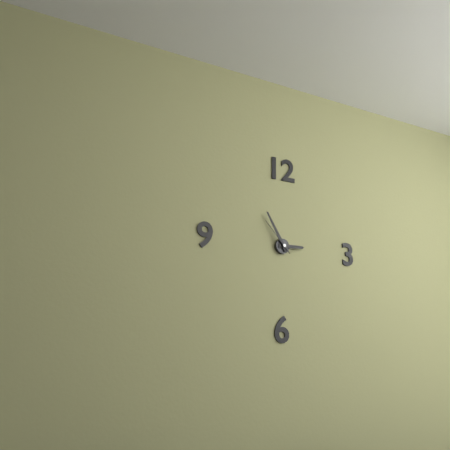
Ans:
2.55
